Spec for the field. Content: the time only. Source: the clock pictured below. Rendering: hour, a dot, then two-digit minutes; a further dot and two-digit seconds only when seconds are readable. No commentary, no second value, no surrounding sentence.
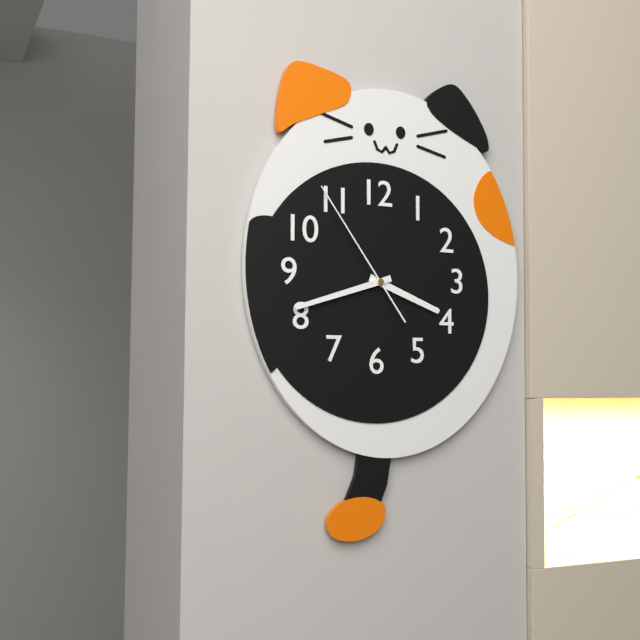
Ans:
3.42.54
